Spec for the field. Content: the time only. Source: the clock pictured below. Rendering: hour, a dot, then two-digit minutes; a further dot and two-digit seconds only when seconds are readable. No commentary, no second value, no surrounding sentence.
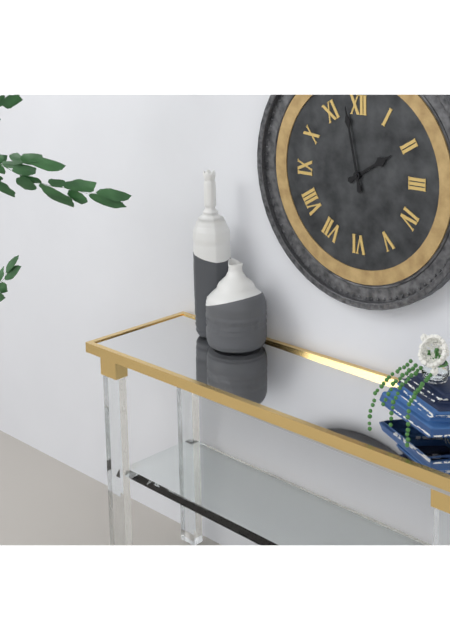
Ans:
1.58
